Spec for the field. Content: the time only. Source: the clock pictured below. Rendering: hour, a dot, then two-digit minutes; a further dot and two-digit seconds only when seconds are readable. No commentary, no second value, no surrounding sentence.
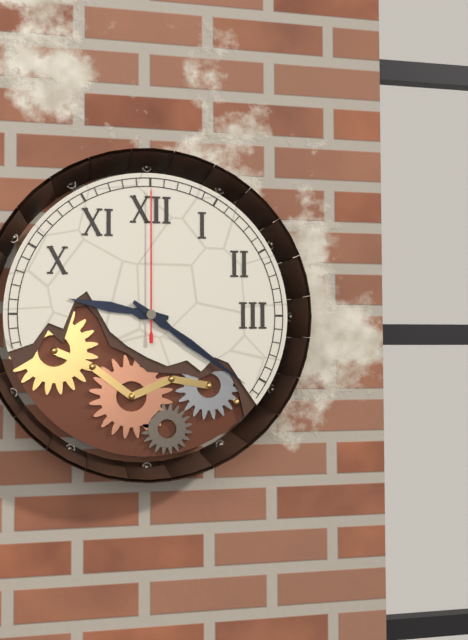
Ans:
9.21.00
